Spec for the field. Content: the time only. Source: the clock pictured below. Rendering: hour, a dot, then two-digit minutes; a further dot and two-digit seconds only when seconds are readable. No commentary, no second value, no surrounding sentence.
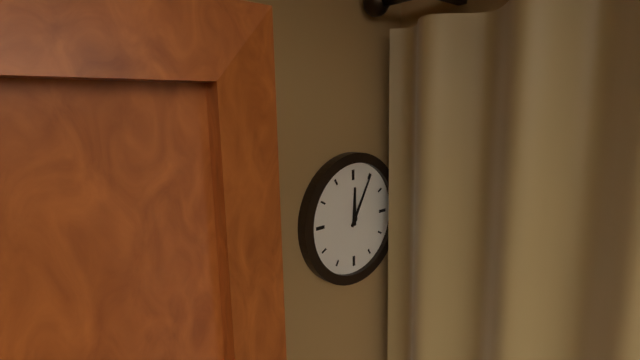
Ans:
12.05
